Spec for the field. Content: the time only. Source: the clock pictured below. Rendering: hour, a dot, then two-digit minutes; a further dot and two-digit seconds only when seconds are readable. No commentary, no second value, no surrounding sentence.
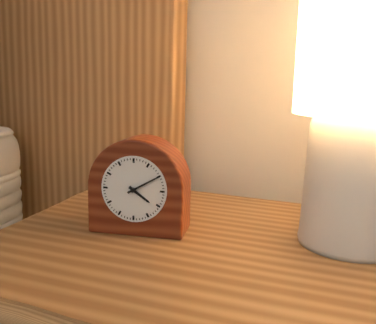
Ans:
4.10
